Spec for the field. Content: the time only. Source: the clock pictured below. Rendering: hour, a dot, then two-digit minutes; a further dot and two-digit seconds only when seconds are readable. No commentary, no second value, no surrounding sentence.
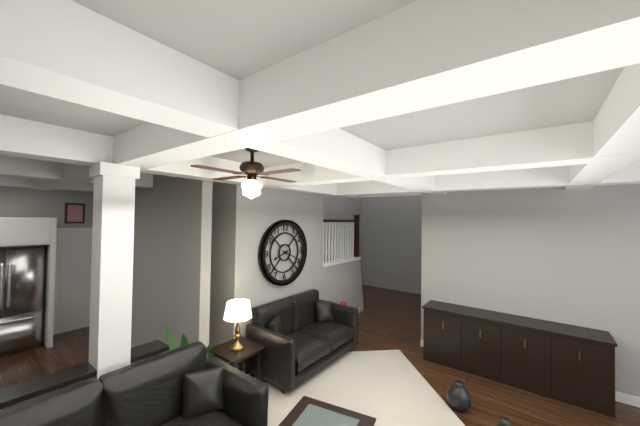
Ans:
8.19
